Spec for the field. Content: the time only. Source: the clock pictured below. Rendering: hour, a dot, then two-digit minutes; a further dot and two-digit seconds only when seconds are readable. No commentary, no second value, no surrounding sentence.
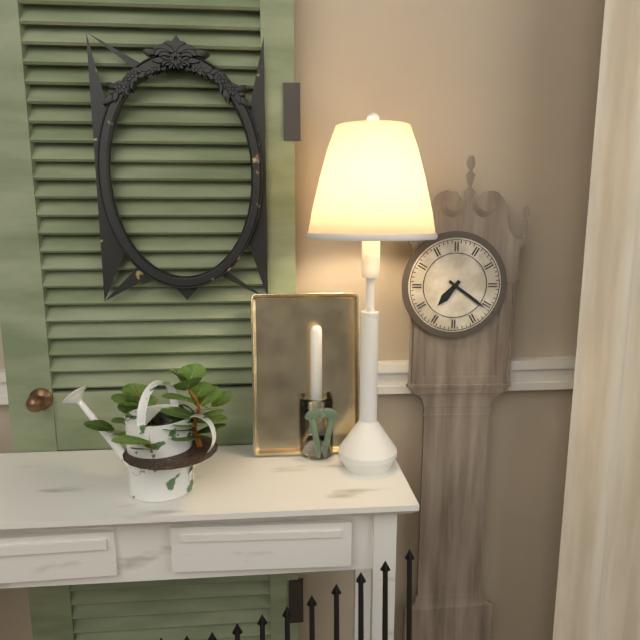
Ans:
7.21
